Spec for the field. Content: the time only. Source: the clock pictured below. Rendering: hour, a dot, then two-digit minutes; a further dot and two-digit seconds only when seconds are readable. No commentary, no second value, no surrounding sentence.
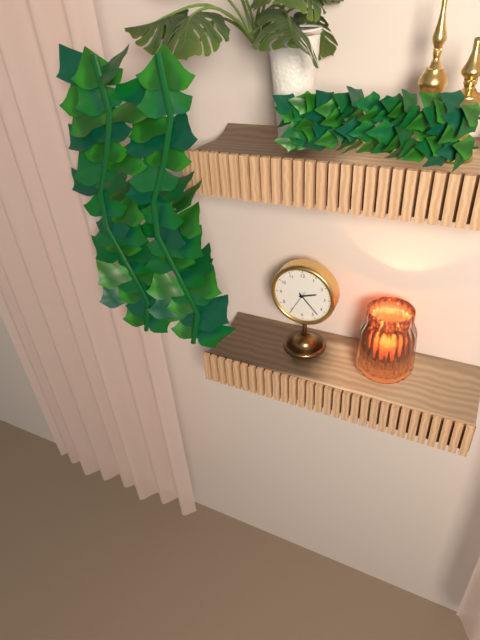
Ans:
2.23
